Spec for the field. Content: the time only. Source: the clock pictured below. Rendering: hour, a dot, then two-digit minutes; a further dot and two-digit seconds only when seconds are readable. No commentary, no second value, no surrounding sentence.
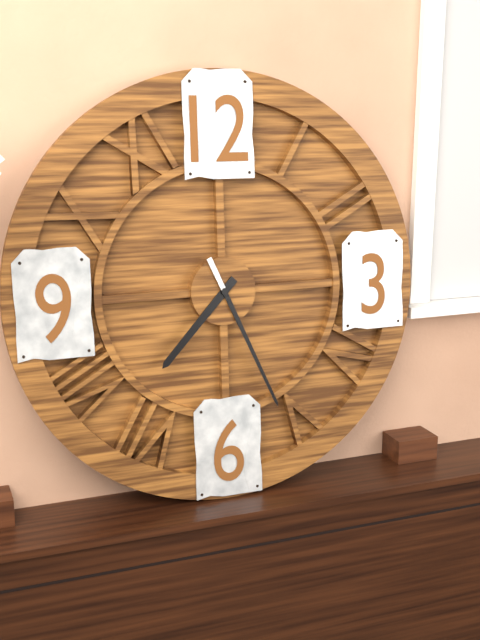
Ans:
7.26
